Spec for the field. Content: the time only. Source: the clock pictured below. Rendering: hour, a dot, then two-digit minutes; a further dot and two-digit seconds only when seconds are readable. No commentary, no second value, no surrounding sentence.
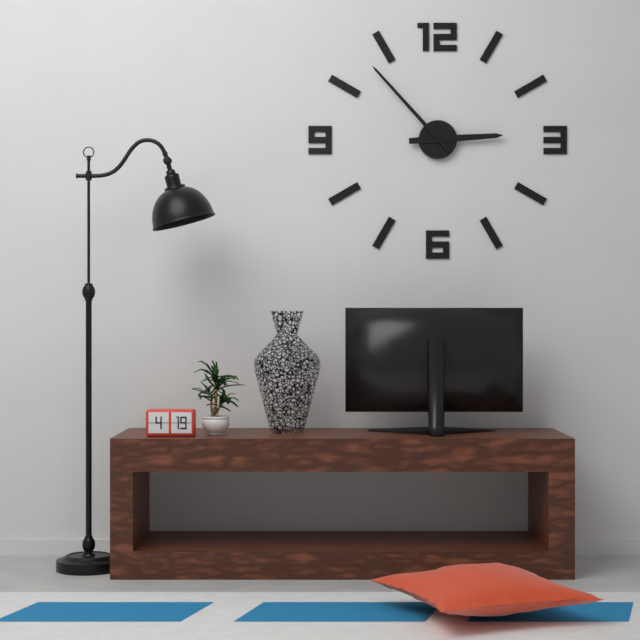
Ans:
2.53
